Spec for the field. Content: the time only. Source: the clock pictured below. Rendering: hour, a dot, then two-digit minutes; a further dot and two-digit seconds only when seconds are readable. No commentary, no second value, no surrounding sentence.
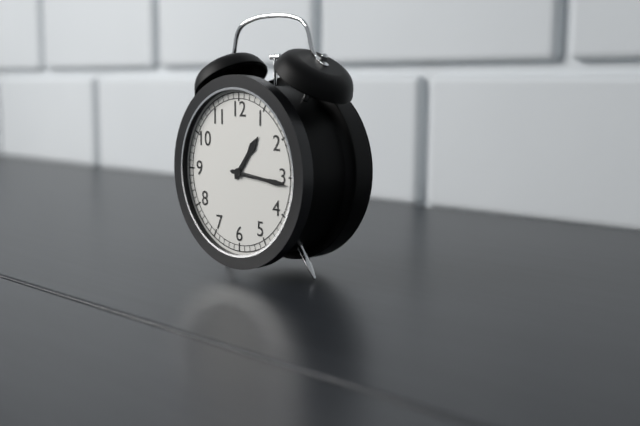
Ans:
1.16
